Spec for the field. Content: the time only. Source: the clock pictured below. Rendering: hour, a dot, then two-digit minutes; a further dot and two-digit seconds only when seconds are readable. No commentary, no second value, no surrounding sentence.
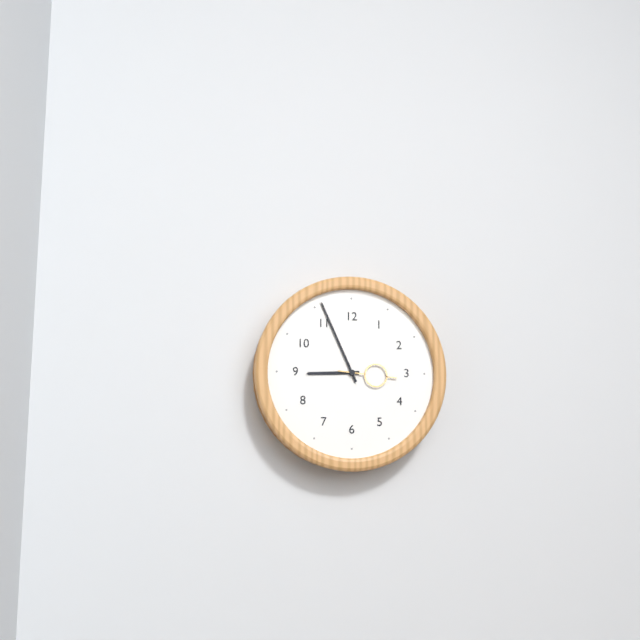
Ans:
8.56.16
